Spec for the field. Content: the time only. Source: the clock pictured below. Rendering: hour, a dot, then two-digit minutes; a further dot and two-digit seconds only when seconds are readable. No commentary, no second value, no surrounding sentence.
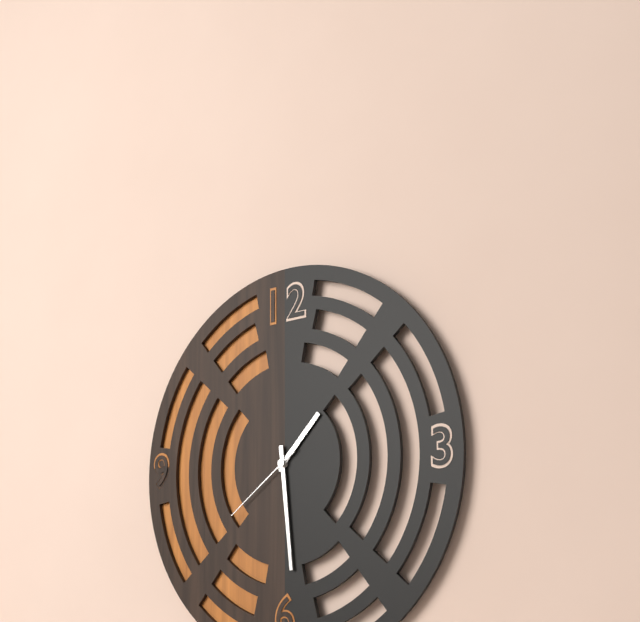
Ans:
1.29.39
